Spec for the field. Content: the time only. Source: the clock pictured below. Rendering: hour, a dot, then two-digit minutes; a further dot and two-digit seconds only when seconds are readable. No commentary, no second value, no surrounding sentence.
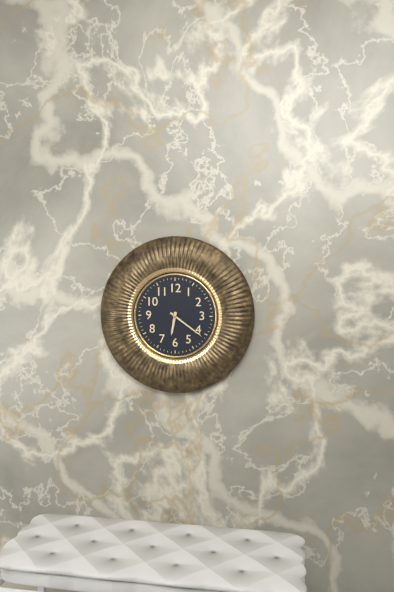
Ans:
6.21
